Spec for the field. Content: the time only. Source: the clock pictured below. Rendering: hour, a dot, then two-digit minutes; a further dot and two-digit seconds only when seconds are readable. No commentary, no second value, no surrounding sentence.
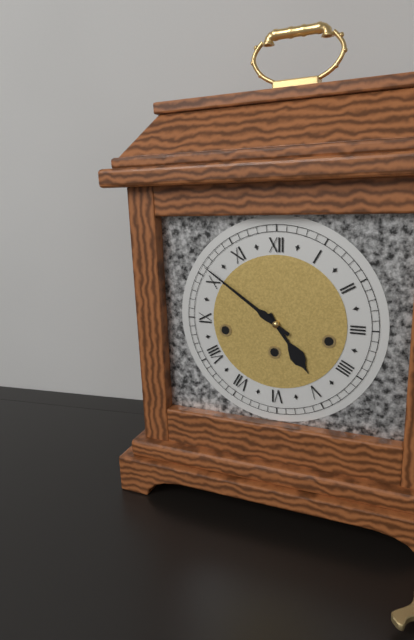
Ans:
4.51
